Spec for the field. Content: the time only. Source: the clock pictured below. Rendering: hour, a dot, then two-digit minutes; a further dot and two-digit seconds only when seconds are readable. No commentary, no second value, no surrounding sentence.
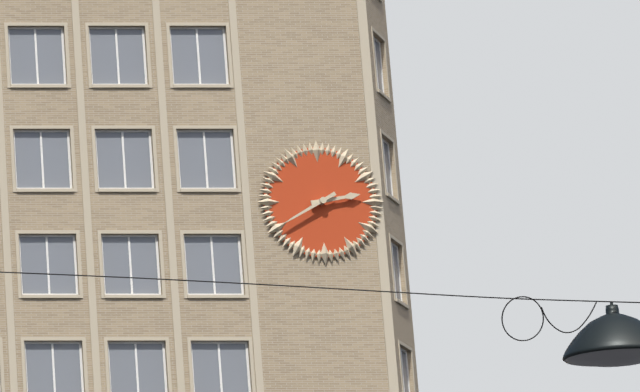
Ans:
2.40
